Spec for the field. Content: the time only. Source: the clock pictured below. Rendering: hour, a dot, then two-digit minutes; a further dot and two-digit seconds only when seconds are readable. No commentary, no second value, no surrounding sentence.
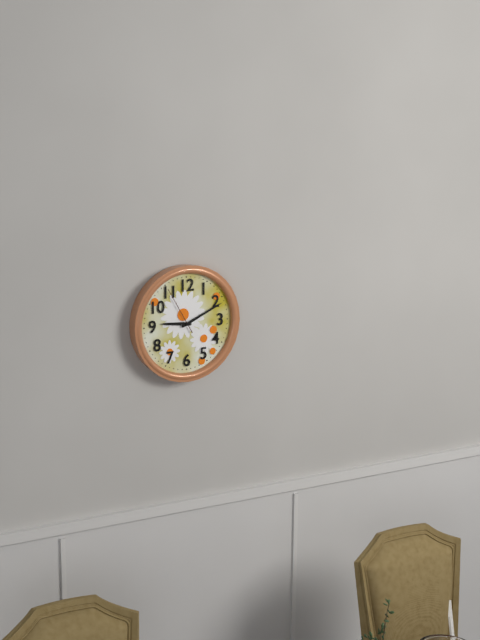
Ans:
9.11
